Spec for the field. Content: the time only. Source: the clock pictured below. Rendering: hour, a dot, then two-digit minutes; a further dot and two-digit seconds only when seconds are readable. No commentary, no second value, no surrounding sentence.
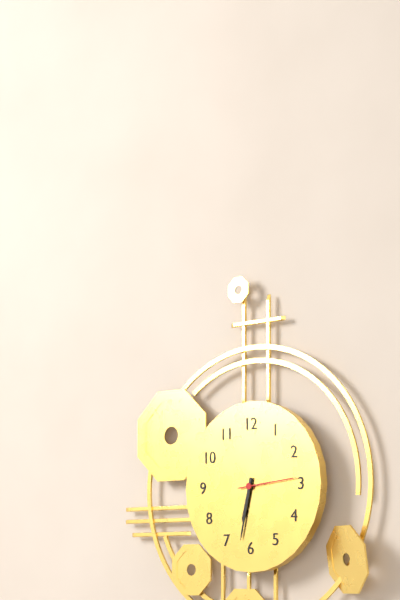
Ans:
6.32.14
